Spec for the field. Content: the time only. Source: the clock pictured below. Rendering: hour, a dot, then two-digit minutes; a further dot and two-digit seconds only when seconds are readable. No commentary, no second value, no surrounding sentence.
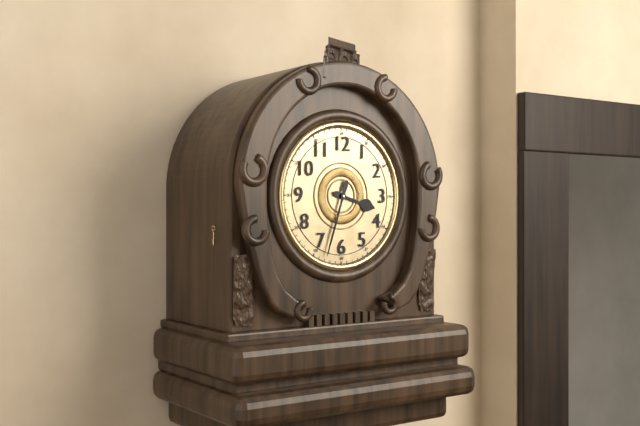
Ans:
3.33
